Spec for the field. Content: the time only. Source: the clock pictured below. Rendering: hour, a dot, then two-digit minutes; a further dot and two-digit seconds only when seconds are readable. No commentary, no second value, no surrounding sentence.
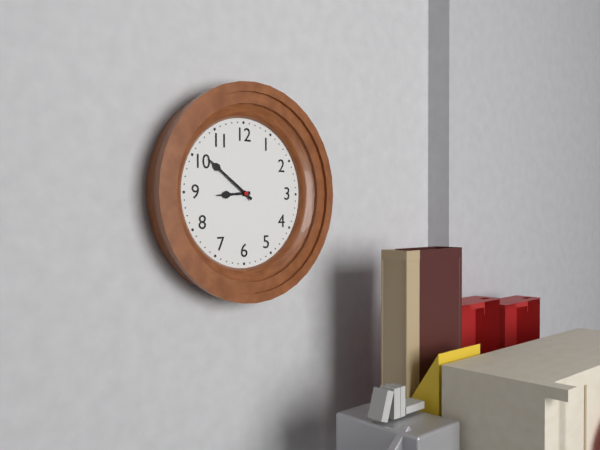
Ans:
8.51
